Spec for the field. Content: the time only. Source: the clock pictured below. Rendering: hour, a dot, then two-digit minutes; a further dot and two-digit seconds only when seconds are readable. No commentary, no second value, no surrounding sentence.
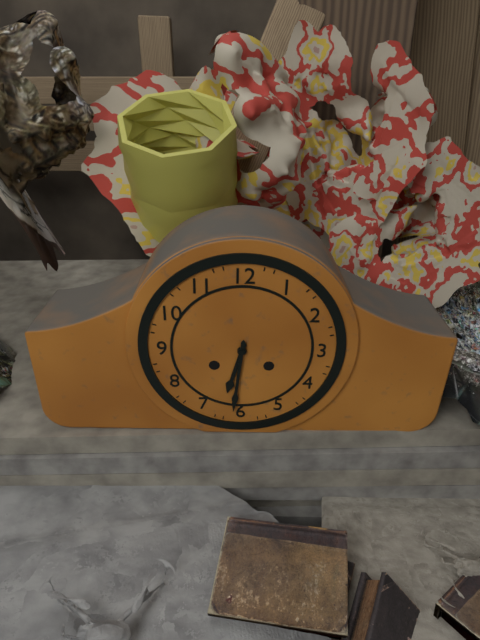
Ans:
6.31
